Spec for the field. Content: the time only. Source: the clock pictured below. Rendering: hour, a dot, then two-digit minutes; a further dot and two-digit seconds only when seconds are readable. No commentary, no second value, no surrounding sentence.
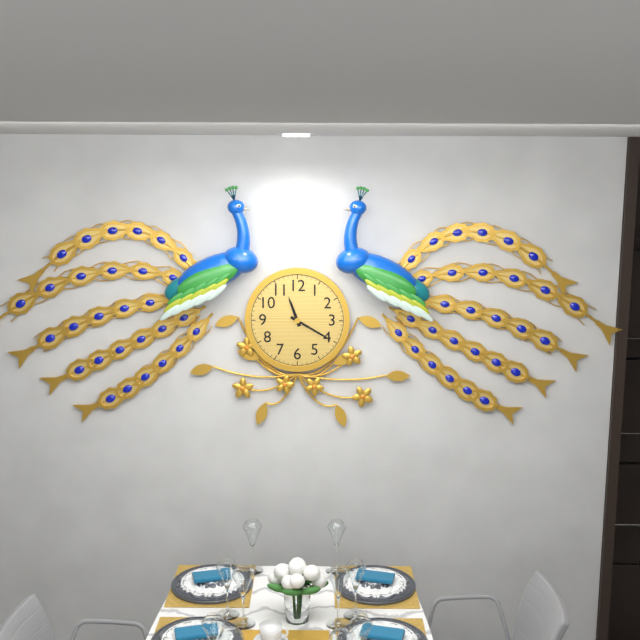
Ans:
11.20
